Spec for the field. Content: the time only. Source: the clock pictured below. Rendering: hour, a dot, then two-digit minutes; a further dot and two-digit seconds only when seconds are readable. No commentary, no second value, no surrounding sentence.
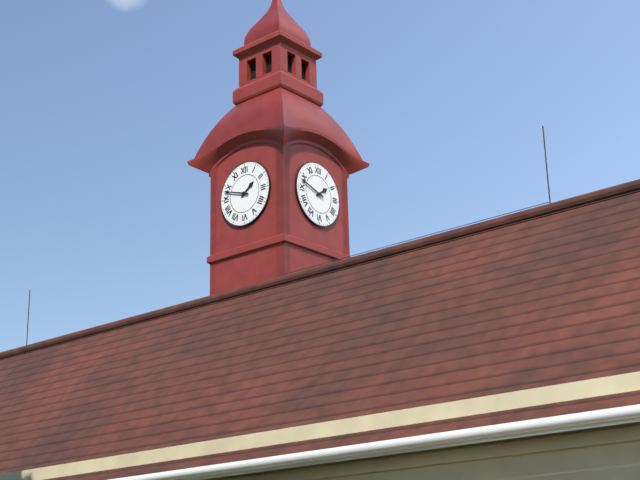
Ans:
1.48
